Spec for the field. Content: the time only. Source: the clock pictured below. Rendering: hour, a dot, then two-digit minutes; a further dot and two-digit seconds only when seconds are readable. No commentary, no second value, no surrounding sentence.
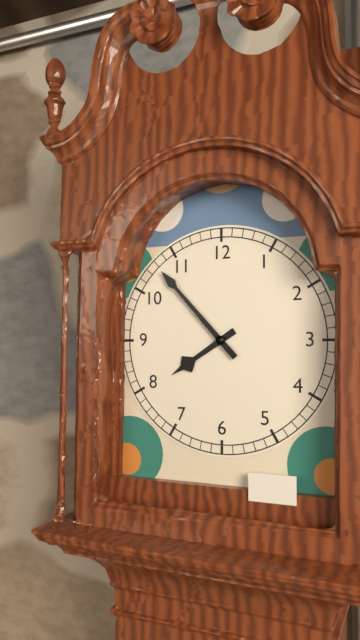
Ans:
7.53
